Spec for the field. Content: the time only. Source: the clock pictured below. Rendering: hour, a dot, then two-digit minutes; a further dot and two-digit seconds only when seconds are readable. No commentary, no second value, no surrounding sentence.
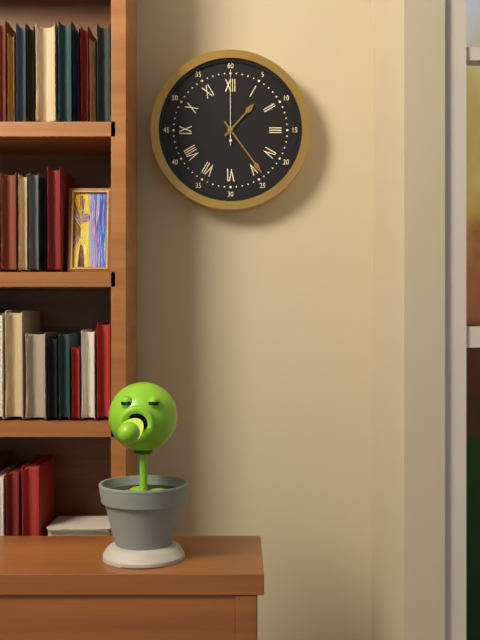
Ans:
1.24.00
